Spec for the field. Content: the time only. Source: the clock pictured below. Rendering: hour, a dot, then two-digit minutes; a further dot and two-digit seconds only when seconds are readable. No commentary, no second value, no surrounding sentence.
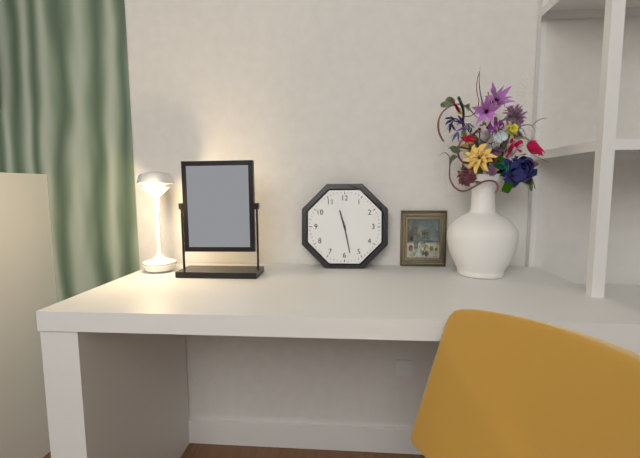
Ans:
11.28
